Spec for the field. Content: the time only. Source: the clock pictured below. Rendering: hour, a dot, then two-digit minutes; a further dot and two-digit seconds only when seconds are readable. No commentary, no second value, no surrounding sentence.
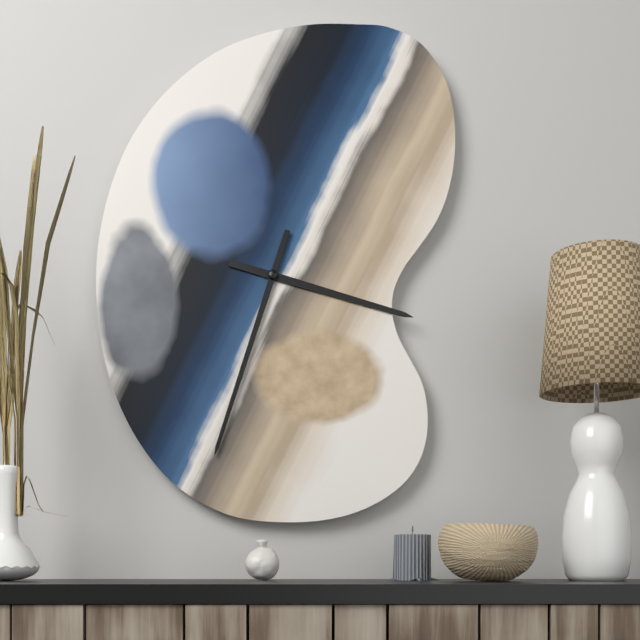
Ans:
3.33
